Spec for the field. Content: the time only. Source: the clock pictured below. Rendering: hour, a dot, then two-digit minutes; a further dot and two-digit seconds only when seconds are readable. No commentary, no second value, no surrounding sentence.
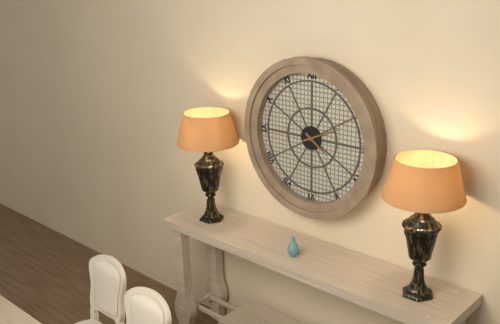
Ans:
4.11
